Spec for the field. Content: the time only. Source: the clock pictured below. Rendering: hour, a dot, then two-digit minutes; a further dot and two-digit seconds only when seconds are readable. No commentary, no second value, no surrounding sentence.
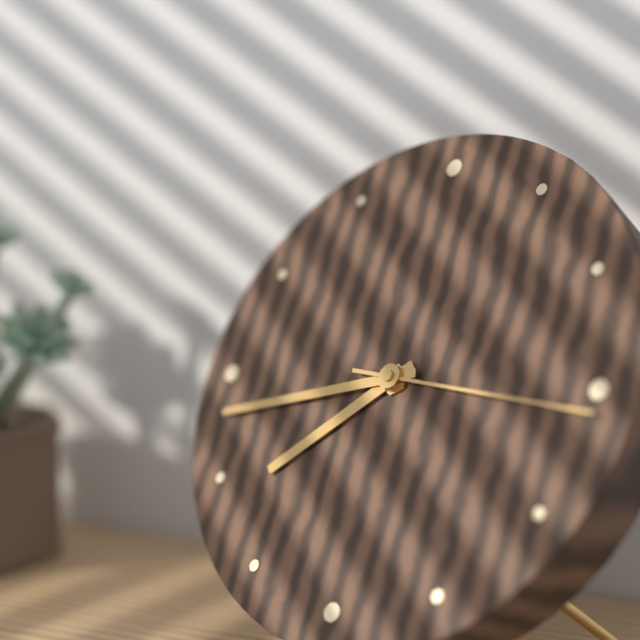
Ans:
7.43.16
